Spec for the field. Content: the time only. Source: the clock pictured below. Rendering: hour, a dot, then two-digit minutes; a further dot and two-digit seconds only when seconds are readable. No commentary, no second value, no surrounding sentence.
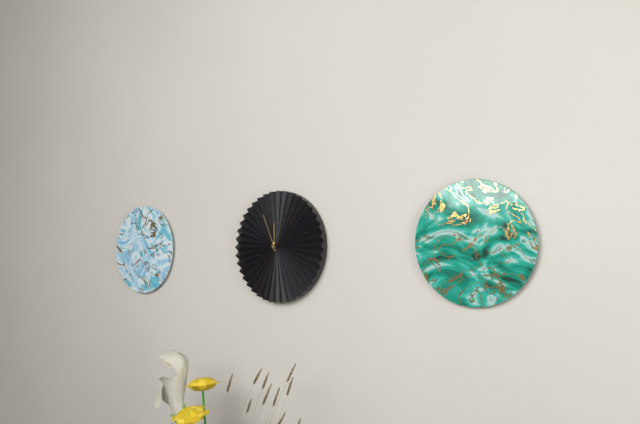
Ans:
11.56
